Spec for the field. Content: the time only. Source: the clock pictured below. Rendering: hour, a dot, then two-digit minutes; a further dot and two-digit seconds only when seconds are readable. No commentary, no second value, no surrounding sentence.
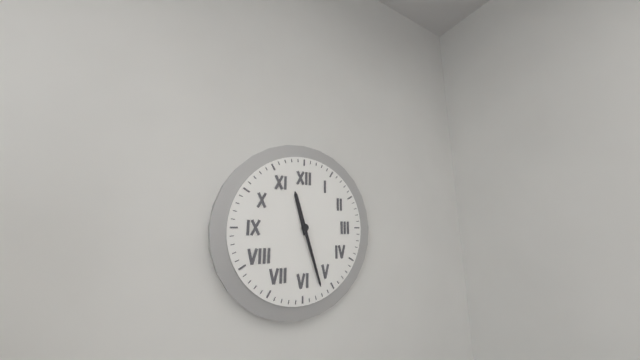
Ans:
11.27
